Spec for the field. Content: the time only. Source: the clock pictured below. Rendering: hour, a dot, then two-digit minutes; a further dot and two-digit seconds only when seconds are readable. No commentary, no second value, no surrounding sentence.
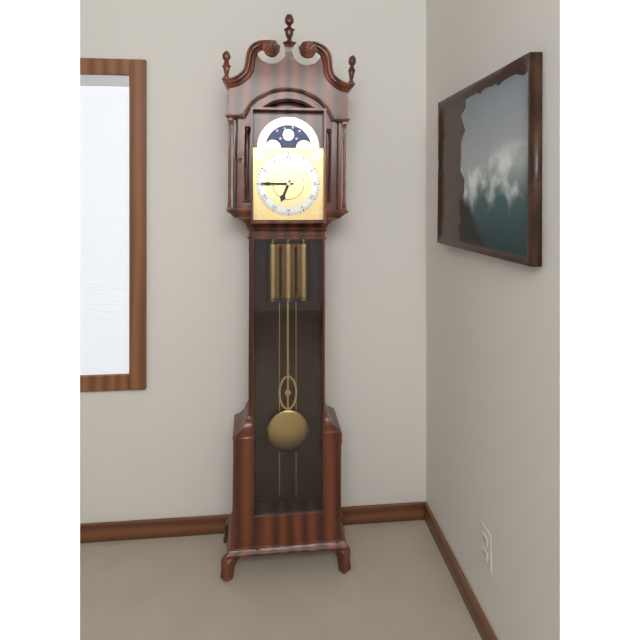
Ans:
6.45
